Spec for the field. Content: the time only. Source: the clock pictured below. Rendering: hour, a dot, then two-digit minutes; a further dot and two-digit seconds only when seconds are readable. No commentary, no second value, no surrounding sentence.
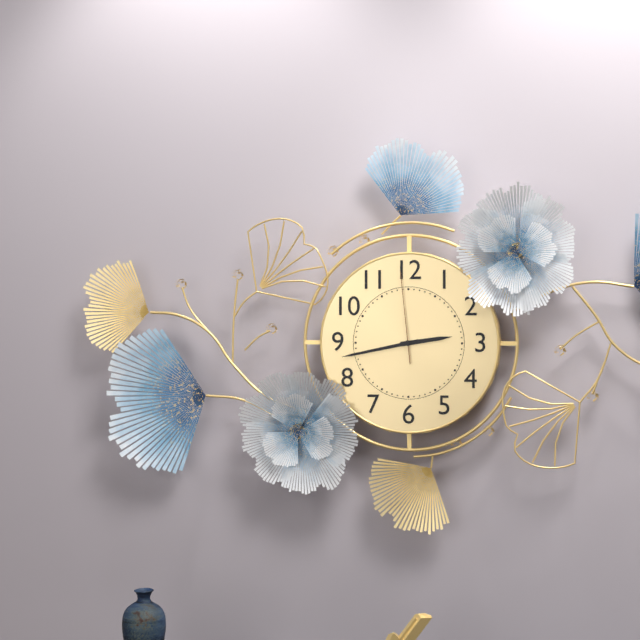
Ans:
2.43.59
